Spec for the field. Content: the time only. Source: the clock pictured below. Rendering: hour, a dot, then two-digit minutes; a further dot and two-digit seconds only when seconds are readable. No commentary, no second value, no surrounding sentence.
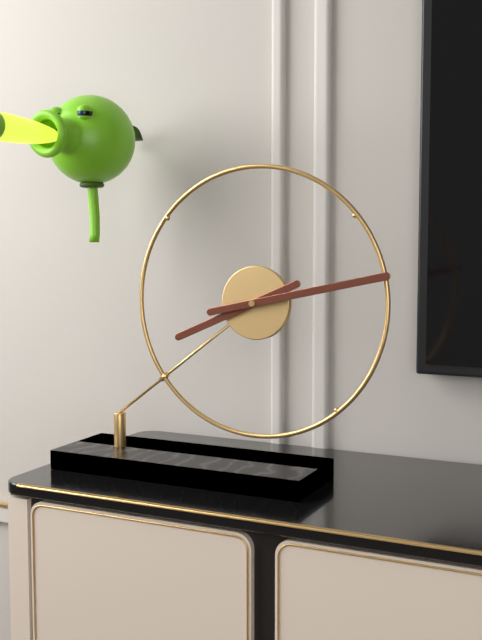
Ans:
8.13
